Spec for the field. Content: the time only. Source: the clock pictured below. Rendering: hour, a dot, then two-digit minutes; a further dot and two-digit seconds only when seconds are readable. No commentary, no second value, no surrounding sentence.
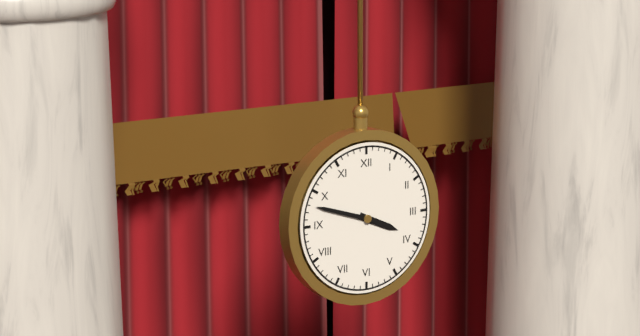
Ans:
3.48
